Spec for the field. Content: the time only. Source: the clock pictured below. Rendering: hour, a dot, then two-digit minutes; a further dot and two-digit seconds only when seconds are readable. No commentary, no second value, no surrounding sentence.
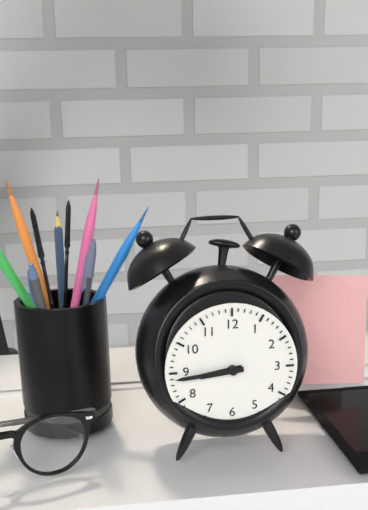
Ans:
8.44
